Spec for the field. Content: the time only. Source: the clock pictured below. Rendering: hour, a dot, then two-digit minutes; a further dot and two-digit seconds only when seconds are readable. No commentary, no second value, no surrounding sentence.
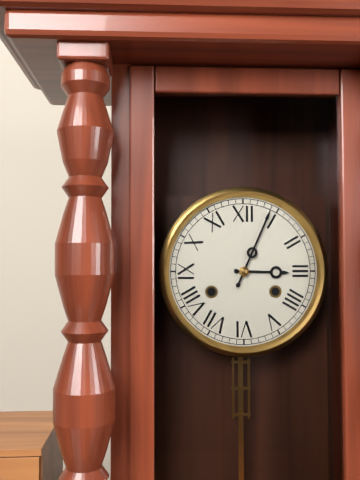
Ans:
3.04
